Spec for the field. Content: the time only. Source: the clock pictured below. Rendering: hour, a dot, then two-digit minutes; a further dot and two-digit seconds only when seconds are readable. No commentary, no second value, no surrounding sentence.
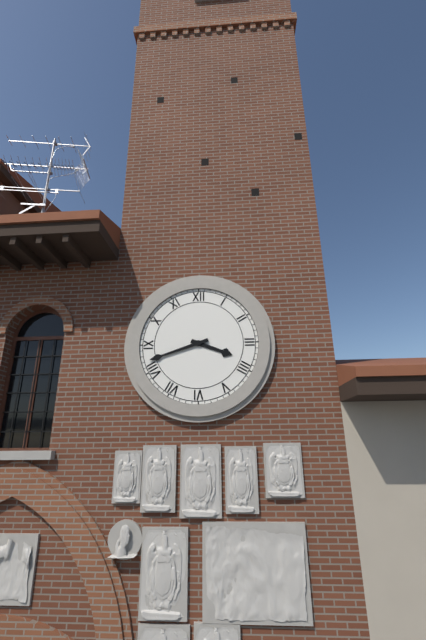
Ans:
3.42
